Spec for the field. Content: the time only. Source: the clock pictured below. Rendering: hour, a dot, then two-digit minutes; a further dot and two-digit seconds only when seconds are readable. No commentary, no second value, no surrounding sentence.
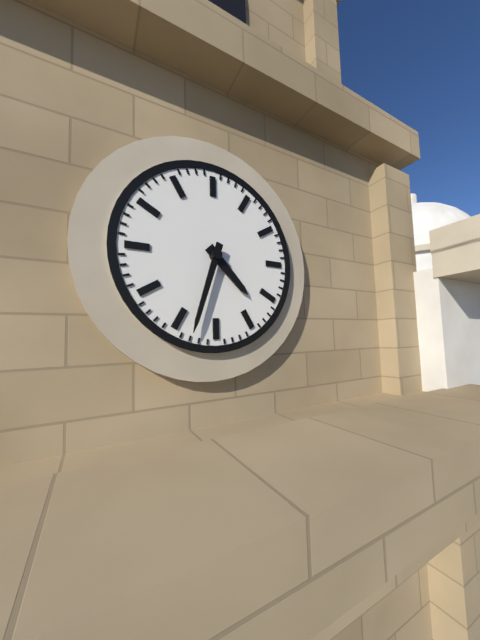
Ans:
4.33
